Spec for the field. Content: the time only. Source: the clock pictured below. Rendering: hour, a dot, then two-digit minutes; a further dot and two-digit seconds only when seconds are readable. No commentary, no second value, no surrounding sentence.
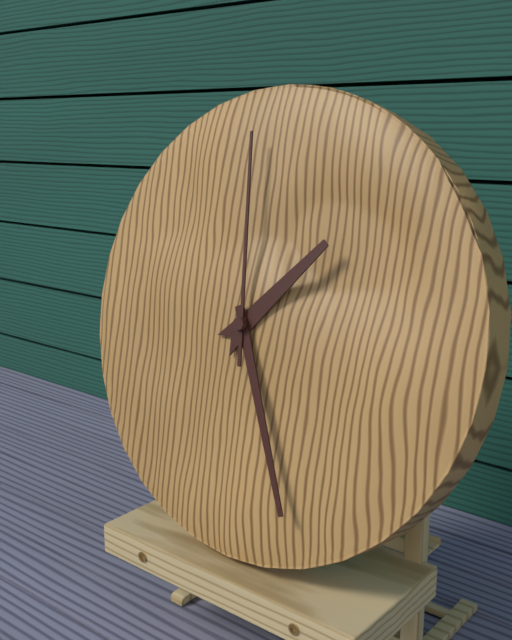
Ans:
1.26.59
